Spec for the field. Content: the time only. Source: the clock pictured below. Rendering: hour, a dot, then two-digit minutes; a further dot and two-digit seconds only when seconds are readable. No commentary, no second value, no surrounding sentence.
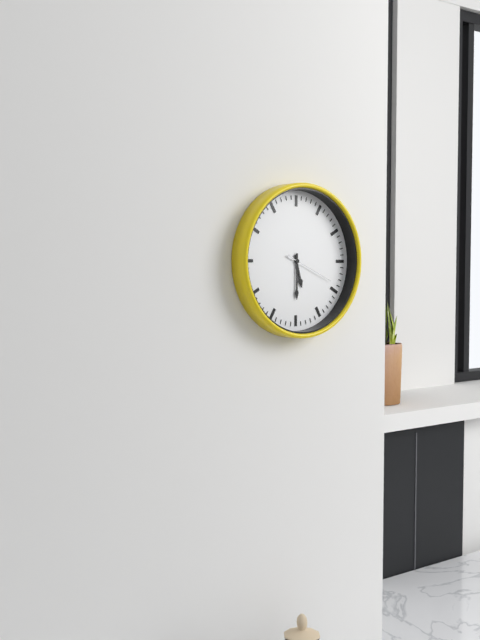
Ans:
5.30.19
